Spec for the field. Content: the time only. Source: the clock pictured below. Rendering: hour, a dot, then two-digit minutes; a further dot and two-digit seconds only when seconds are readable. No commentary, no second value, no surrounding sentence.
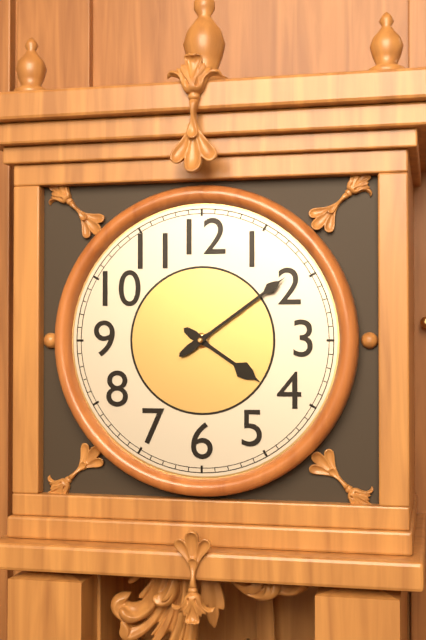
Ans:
4.09
